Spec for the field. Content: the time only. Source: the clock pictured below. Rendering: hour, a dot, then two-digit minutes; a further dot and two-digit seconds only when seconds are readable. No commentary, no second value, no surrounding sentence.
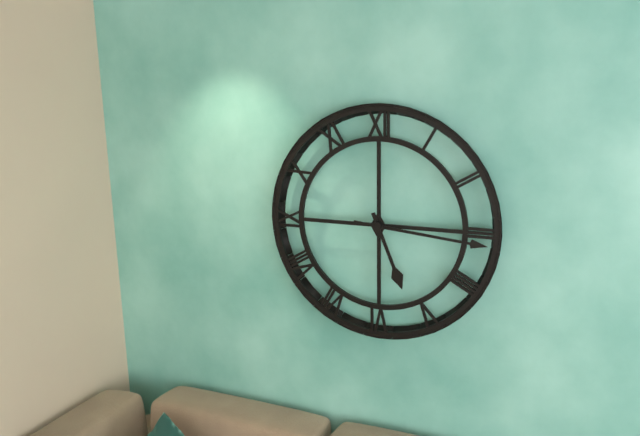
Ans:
5.16
